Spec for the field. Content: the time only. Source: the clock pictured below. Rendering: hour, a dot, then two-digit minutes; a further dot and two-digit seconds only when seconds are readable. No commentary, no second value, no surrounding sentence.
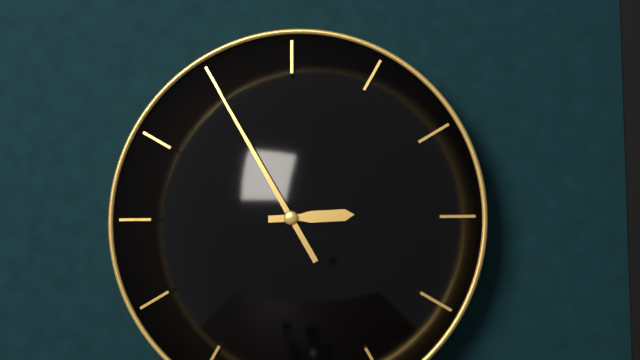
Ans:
2.55
